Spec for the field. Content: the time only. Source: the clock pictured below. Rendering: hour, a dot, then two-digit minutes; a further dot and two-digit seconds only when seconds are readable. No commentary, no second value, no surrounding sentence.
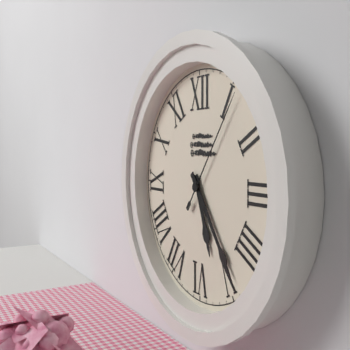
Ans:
5.24.06
